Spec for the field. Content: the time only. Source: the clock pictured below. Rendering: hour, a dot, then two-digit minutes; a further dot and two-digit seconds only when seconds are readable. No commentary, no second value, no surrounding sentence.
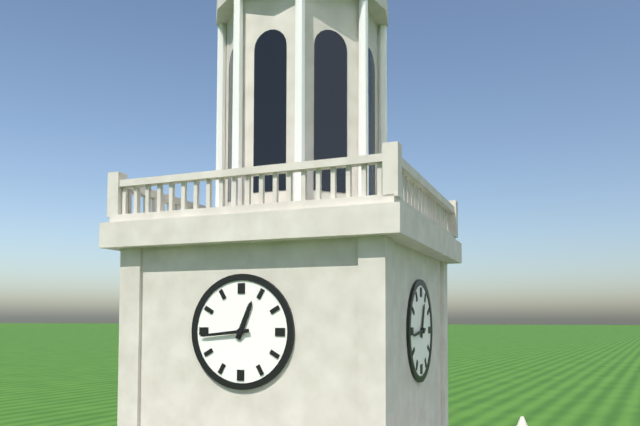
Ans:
12.44
